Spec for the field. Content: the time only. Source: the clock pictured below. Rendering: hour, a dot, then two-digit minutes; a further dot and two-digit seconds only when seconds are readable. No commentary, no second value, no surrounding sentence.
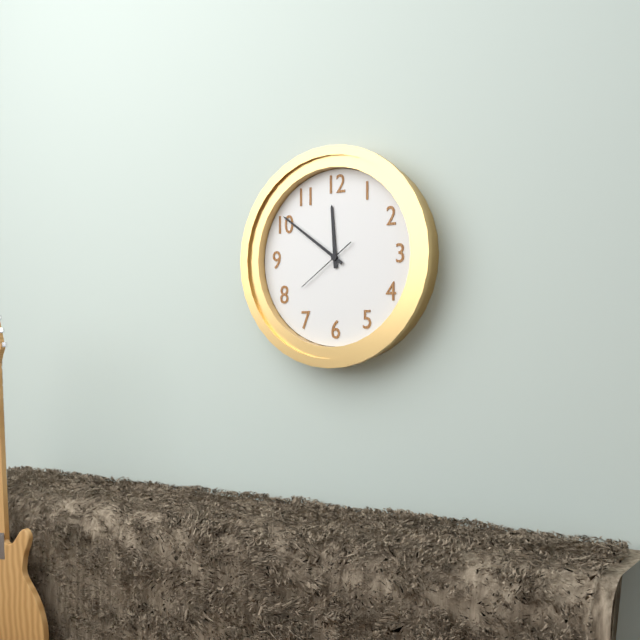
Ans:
11.51.39
